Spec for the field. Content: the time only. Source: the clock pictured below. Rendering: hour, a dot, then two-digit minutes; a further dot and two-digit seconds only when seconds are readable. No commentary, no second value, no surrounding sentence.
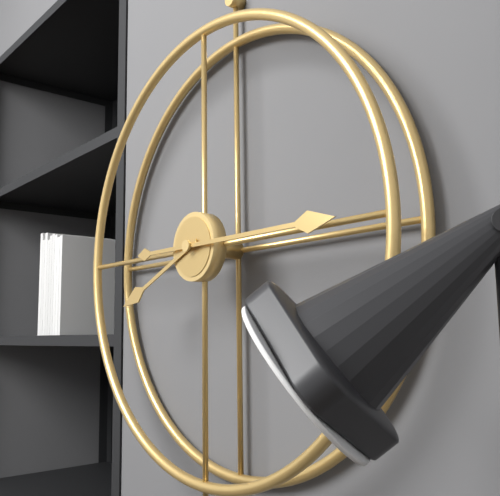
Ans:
8.15
